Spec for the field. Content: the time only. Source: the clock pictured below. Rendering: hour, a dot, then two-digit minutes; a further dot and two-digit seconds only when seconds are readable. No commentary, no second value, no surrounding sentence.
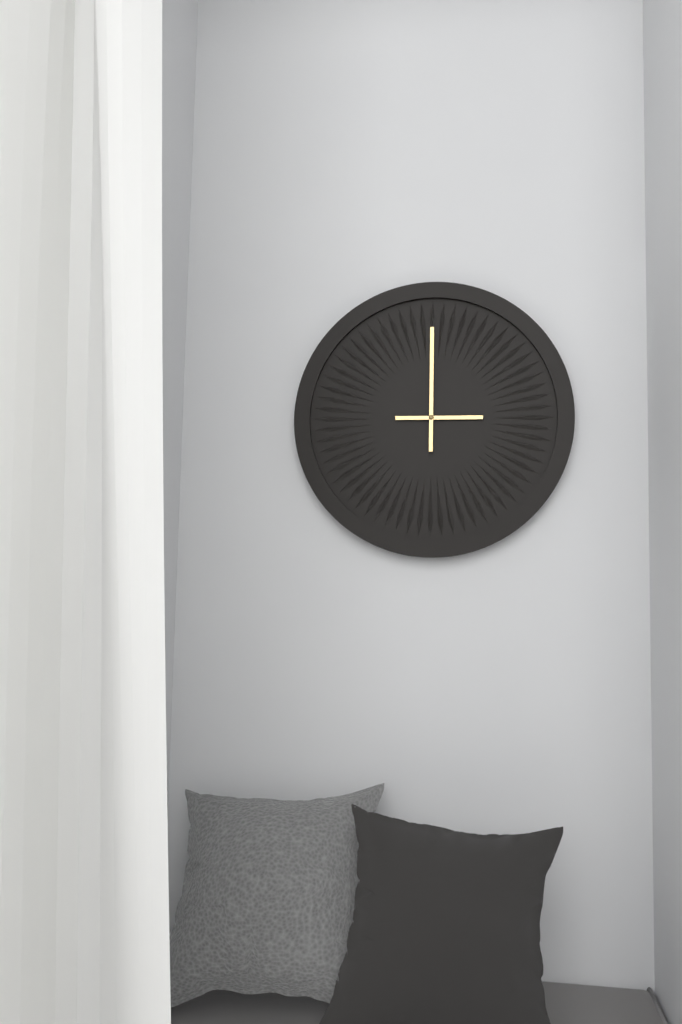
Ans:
3.00
